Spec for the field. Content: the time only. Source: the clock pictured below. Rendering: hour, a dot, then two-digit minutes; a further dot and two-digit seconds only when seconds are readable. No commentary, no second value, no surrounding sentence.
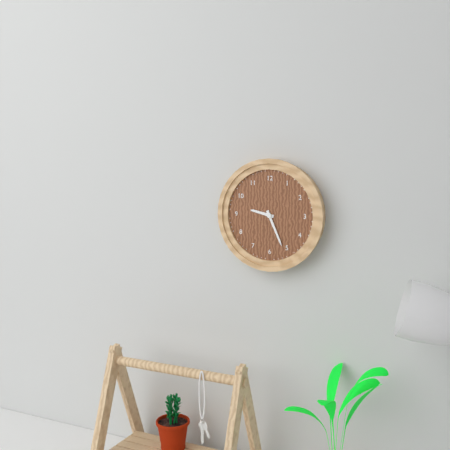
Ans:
9.26
